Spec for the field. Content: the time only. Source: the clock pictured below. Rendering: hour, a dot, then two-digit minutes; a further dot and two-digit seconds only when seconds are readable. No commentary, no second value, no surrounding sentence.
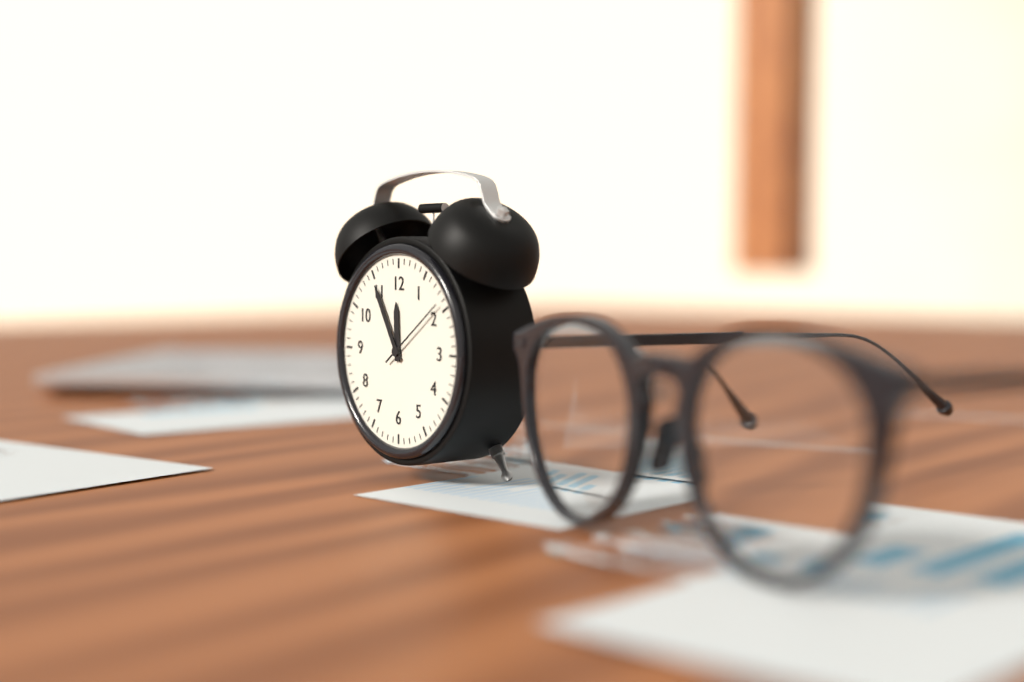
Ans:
11.55.09
